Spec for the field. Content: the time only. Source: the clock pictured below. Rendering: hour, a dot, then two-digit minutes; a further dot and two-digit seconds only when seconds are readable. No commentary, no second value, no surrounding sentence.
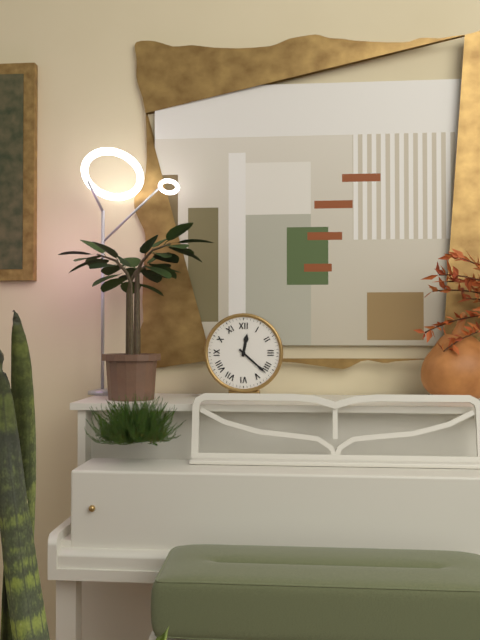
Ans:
12.22
